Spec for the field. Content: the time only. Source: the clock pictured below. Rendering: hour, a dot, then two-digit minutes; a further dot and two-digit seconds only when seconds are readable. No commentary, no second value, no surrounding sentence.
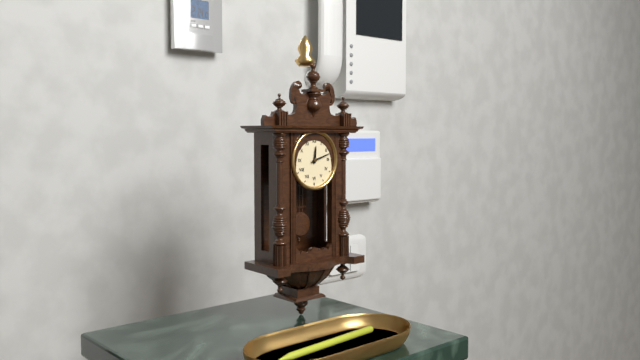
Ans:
12.12
